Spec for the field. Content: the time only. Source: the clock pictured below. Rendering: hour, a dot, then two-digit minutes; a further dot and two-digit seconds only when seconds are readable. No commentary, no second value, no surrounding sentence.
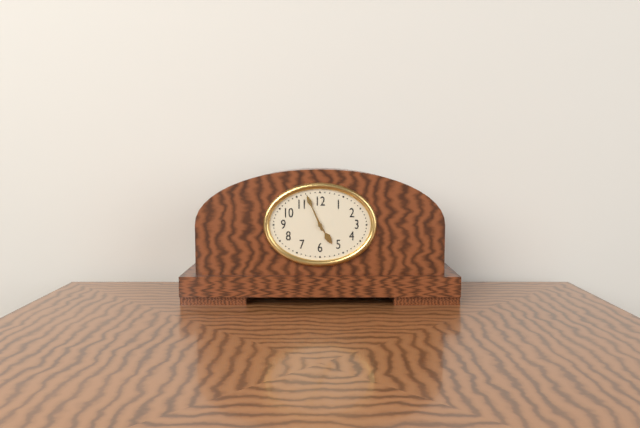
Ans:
4.56
